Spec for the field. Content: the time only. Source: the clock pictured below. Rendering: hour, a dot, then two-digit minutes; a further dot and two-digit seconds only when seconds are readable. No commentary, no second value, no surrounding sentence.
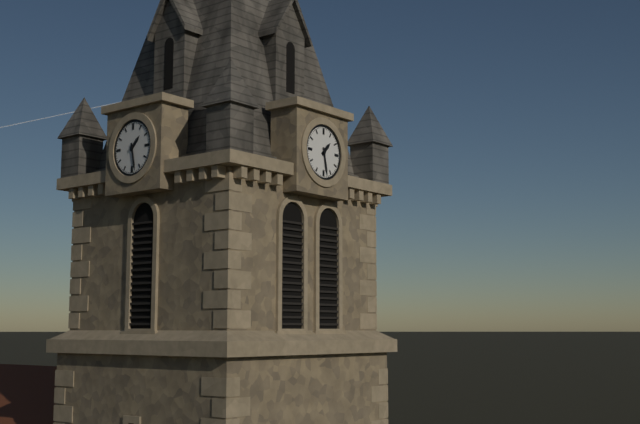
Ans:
1.28
